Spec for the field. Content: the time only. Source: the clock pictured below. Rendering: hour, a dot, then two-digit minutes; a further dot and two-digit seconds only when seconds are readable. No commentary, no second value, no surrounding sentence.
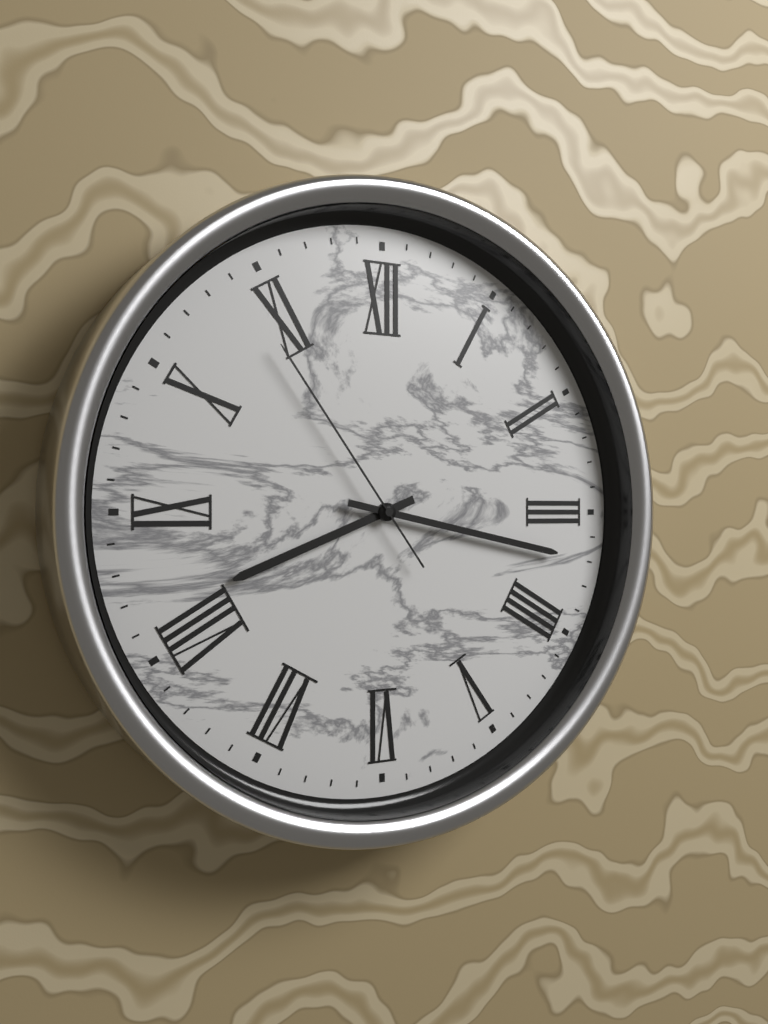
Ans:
8.17.54
